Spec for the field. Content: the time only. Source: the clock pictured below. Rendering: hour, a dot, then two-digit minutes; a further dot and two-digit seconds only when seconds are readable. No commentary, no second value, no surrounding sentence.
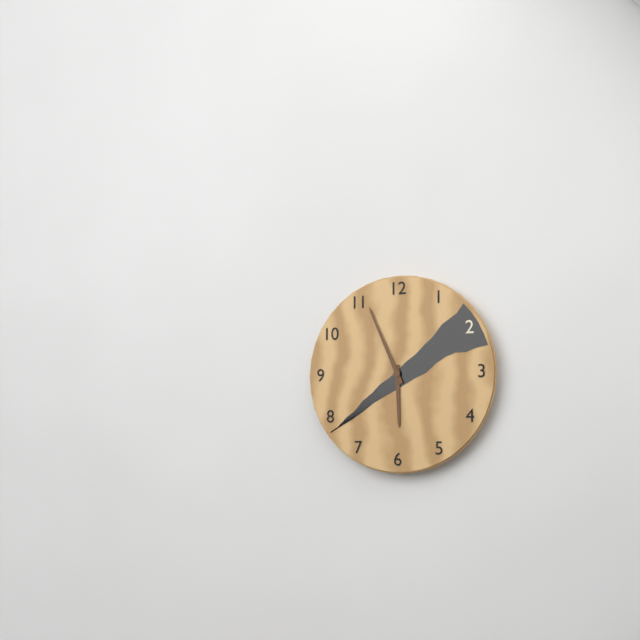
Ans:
5.56
